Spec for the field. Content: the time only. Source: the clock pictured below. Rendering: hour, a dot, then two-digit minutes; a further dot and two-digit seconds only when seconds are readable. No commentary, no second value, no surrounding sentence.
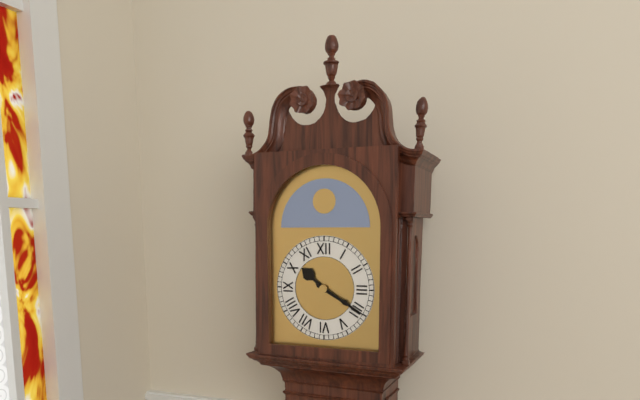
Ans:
10.20
